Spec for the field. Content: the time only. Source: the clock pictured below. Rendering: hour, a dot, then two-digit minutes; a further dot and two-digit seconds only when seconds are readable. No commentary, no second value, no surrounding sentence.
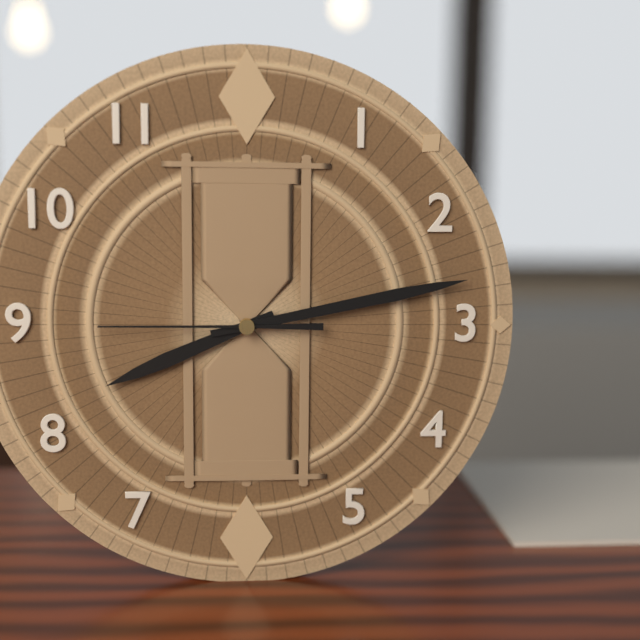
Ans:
8.13.45
